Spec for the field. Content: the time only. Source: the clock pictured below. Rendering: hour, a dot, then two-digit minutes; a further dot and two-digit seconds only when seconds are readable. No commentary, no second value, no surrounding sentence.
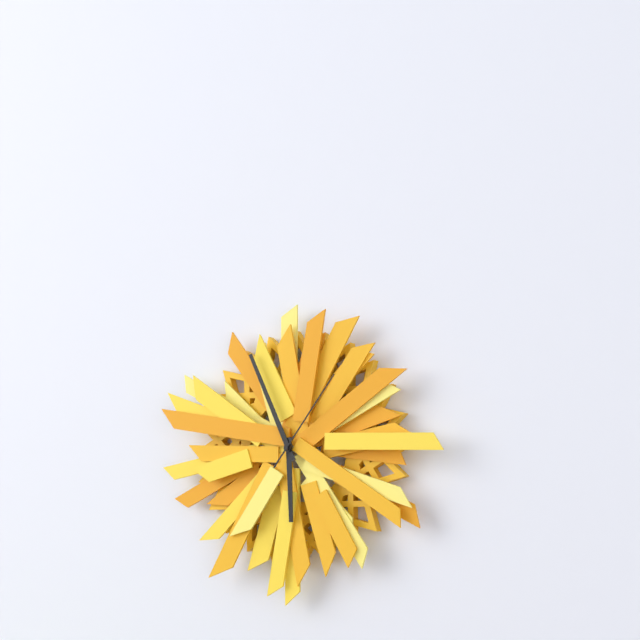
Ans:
5.56.06
